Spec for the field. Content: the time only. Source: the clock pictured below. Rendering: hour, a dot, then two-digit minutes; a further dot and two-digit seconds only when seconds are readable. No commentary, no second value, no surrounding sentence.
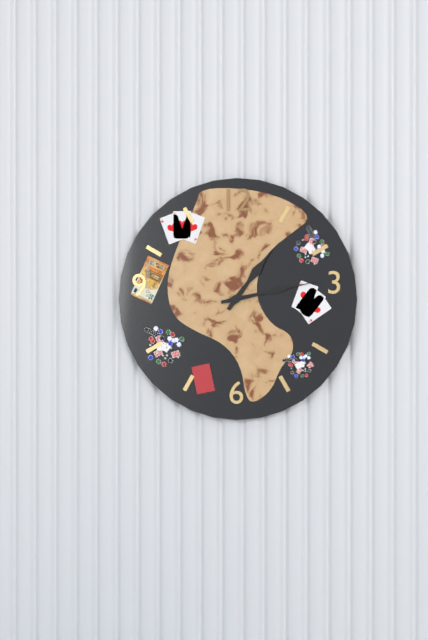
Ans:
1.13
